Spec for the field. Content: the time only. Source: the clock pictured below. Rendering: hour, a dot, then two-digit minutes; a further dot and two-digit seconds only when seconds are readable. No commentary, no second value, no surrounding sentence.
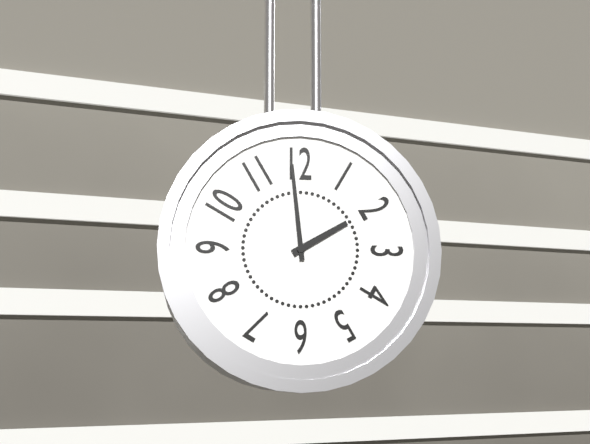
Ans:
1.59
